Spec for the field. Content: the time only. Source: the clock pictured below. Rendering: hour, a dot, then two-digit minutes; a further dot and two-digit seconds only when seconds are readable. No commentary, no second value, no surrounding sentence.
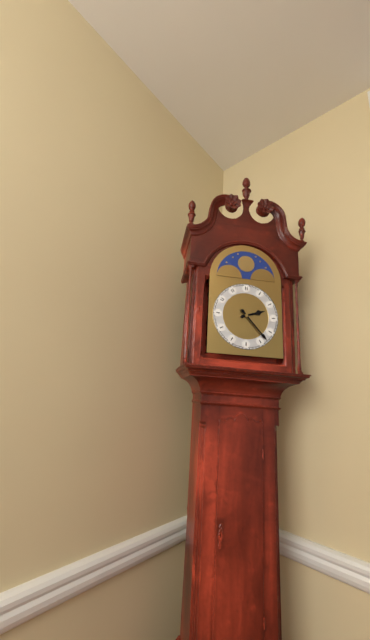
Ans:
2.23
